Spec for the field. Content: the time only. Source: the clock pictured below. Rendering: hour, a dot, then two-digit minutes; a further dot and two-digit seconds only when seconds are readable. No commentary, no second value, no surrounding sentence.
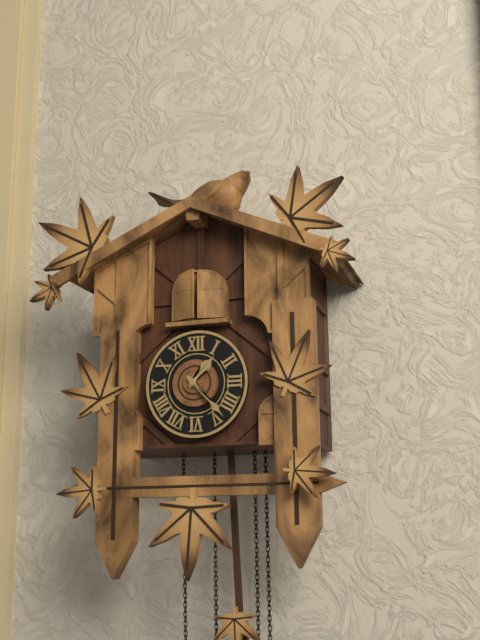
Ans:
1.23
